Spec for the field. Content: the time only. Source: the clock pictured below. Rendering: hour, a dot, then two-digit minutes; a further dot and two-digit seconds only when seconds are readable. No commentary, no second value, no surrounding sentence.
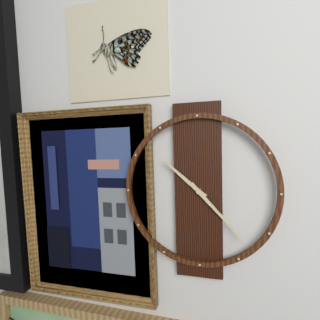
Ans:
10.23
